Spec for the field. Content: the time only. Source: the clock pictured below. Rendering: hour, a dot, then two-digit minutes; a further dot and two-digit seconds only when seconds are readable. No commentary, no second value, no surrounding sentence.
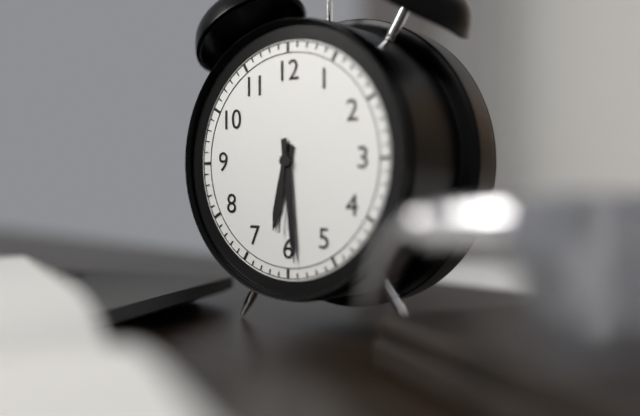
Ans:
6.29.31
